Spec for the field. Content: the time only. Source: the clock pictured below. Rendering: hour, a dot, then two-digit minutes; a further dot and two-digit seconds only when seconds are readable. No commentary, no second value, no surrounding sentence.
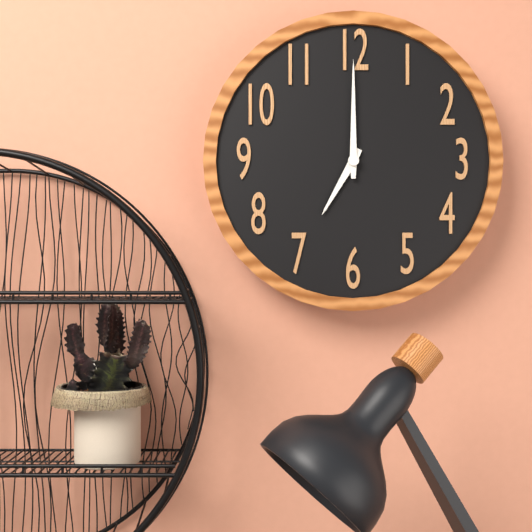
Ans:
7.00
